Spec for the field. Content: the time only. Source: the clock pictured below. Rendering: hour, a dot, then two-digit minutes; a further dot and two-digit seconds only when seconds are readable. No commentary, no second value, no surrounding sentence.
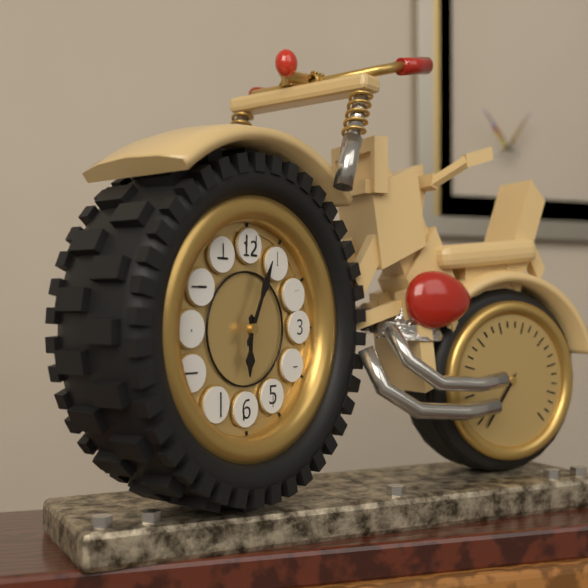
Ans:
6.04
